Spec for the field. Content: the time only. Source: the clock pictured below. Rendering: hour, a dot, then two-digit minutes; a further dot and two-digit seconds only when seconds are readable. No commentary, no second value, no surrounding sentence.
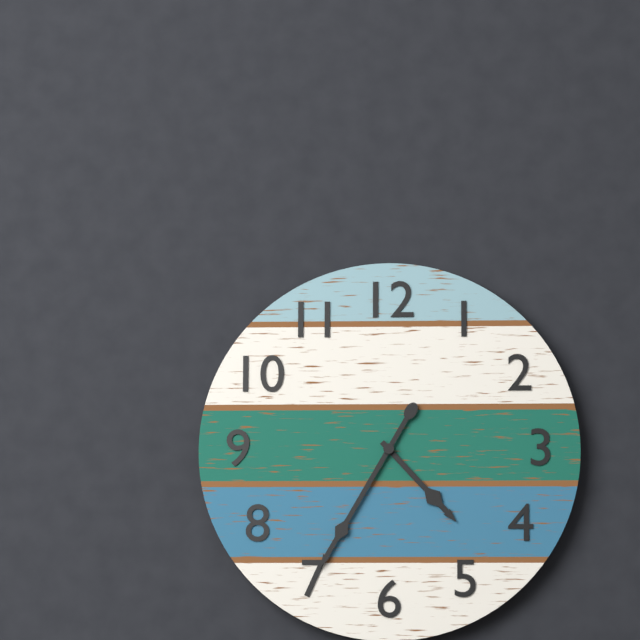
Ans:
4.35
